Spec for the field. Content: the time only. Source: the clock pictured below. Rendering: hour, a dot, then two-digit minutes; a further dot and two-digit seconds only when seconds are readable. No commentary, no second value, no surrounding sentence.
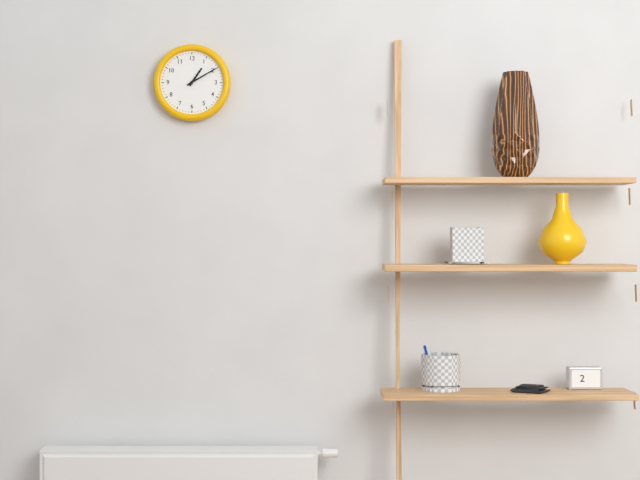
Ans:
1.10
